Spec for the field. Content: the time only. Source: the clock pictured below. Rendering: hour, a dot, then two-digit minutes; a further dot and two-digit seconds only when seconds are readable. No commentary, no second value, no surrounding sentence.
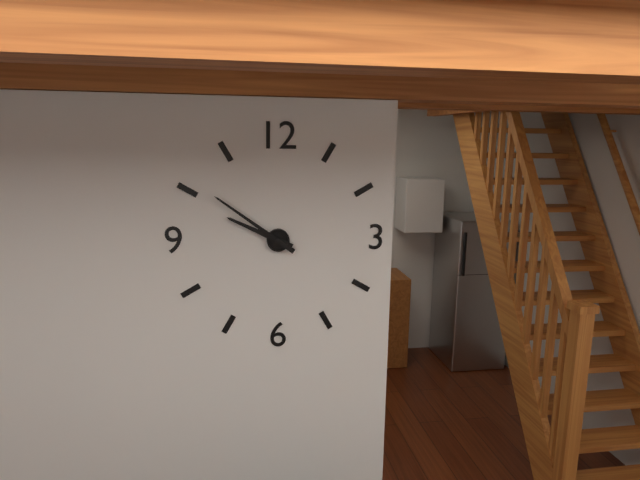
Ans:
9.51
